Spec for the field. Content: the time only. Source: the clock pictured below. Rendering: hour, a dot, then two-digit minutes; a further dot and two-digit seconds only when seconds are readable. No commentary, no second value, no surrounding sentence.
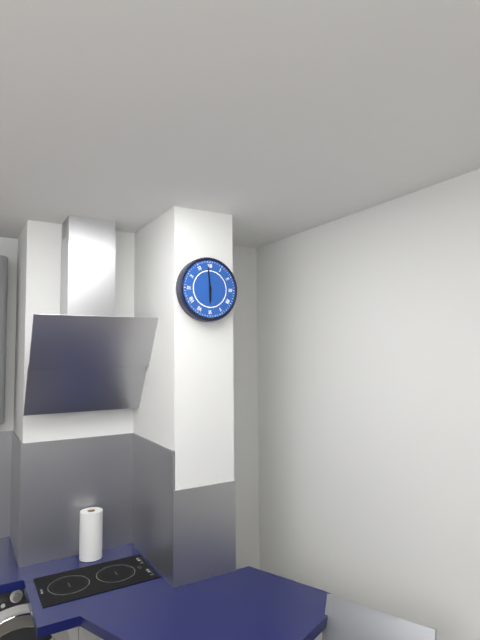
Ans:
5.59
